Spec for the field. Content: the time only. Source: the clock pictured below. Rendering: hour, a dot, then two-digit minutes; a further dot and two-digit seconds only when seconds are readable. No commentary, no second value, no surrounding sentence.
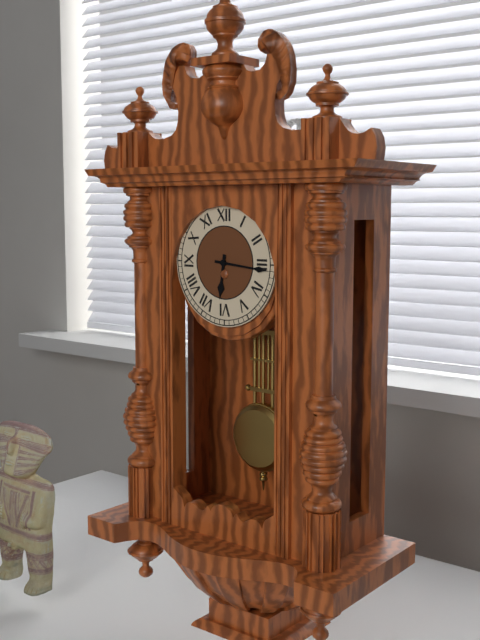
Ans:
6.16
